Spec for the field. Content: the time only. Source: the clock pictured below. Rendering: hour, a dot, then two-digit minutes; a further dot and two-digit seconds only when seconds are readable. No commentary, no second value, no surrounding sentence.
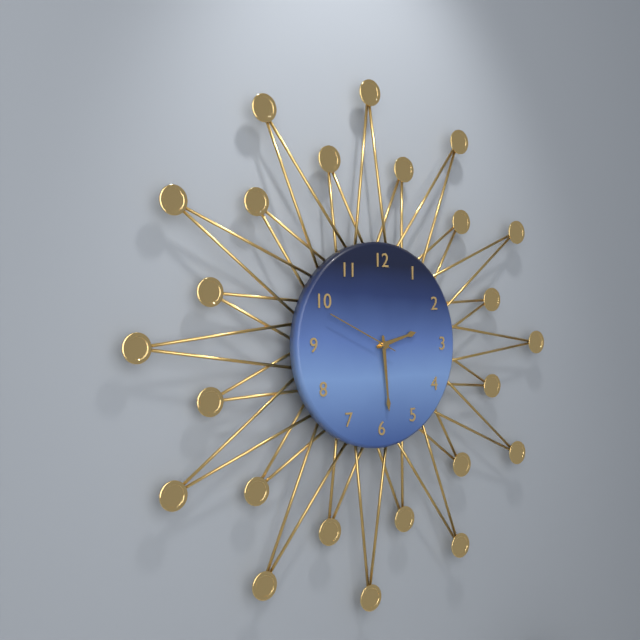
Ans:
2.29.49
